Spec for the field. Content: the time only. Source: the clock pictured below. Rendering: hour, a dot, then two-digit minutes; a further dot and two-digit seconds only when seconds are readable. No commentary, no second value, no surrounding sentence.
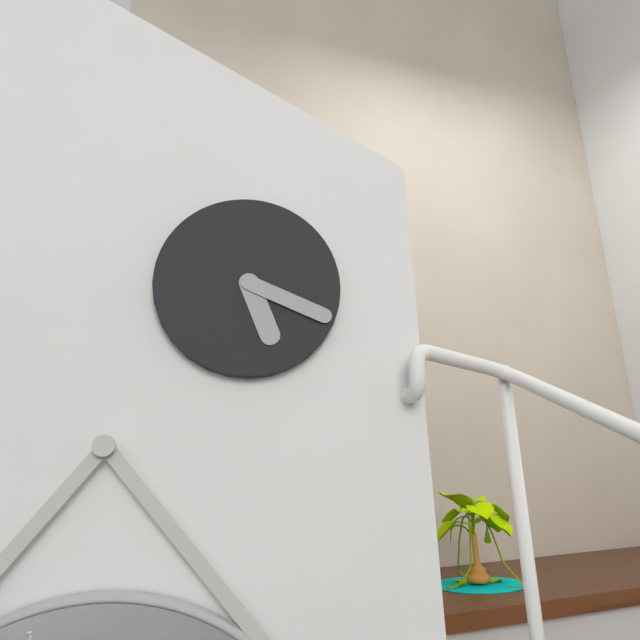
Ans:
5.19
